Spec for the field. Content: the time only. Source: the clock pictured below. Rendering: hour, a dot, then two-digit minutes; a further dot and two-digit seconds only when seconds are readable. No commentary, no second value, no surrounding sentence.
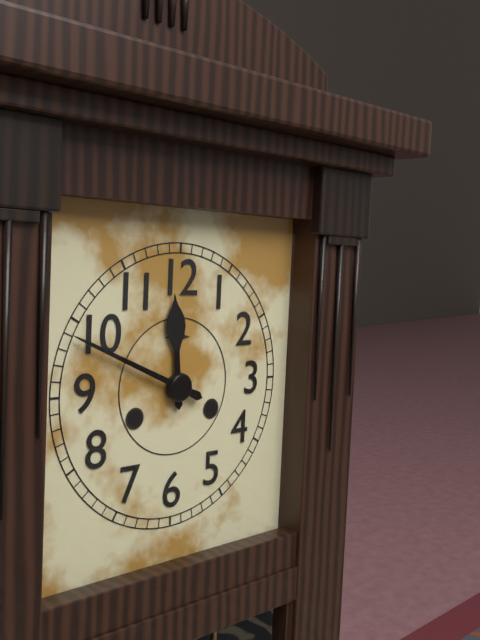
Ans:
11.49
